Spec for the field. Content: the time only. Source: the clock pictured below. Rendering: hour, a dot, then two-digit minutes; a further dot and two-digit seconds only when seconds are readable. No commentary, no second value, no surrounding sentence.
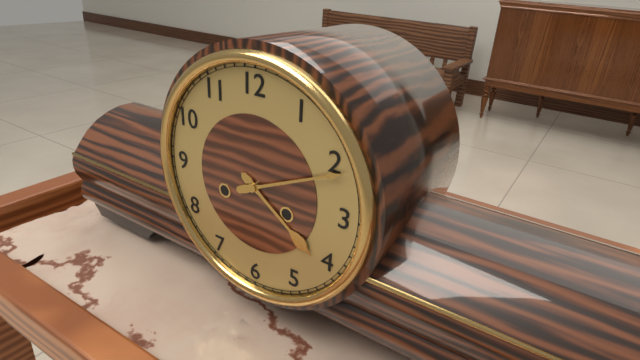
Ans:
4.11
